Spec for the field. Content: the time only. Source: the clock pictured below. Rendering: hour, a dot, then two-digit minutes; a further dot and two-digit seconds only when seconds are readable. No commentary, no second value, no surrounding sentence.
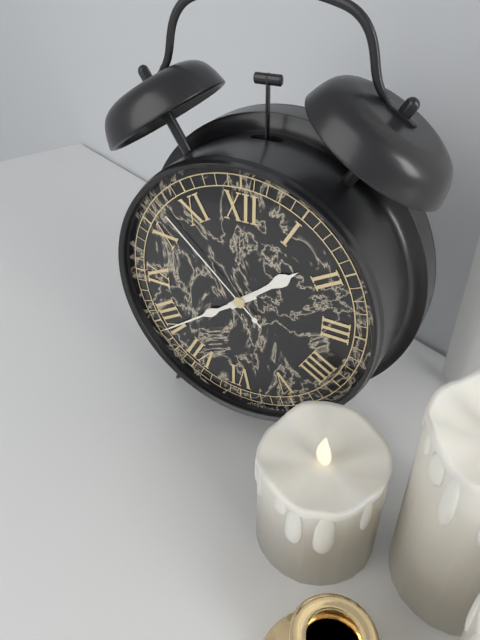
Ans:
1.39.52
